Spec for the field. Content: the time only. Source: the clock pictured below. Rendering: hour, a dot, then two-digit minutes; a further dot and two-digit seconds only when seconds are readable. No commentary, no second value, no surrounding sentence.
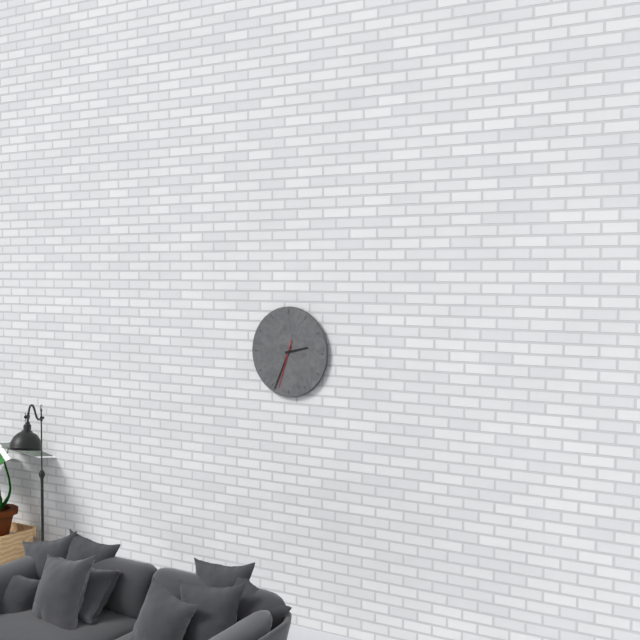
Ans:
2.34
